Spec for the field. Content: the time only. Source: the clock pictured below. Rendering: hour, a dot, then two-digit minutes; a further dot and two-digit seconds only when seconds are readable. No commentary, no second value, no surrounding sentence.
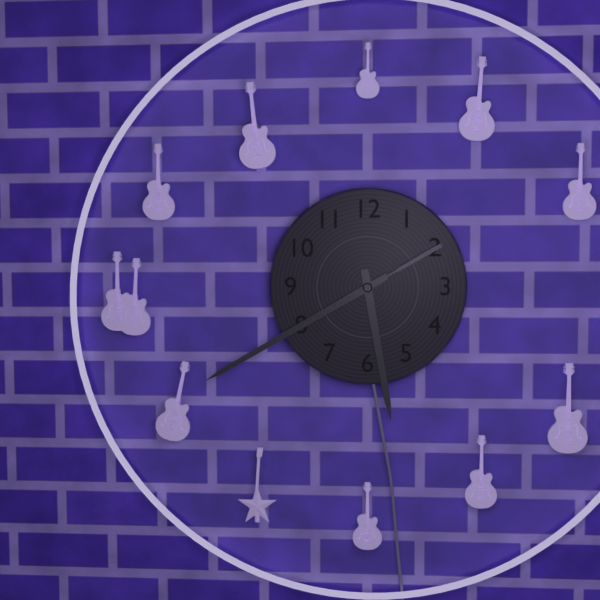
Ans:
5.40.40
